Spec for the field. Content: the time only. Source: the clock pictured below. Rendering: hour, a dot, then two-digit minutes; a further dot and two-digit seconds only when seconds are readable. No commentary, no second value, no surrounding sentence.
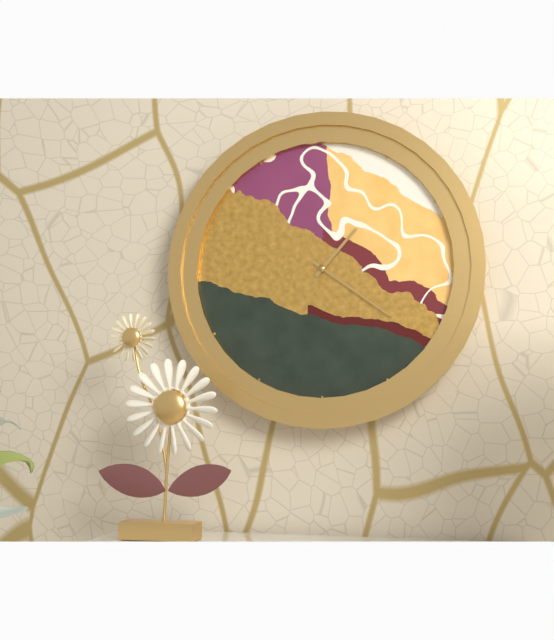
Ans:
1.21
